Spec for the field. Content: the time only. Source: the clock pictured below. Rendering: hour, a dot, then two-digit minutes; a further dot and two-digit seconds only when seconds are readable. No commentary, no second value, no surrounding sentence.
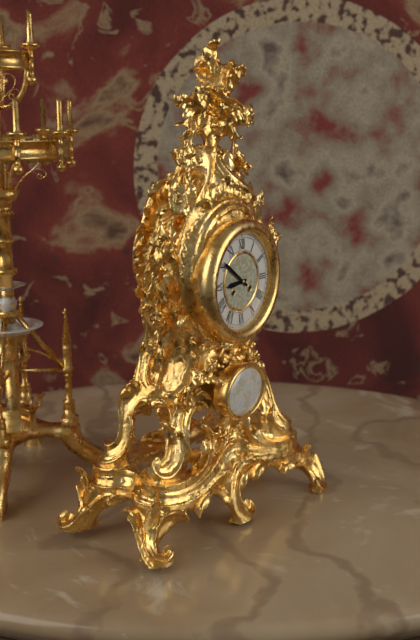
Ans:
8.51
